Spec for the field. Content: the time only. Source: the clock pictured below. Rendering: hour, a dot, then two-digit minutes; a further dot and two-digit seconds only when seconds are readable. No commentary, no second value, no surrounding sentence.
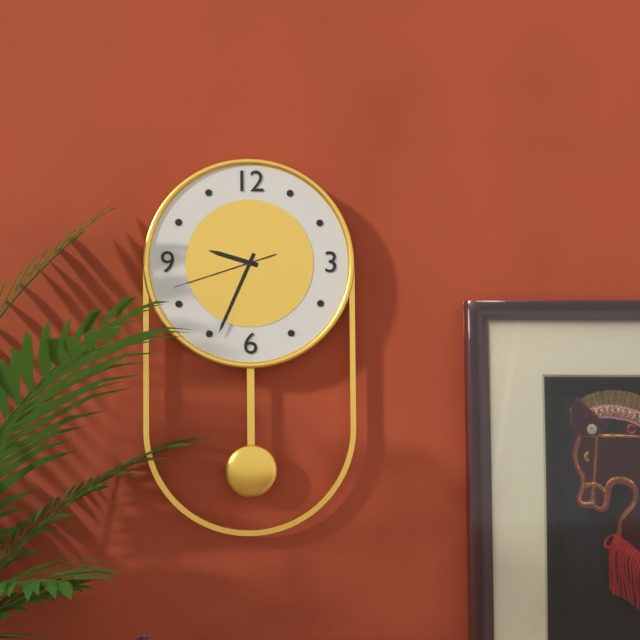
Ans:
9.34.42
